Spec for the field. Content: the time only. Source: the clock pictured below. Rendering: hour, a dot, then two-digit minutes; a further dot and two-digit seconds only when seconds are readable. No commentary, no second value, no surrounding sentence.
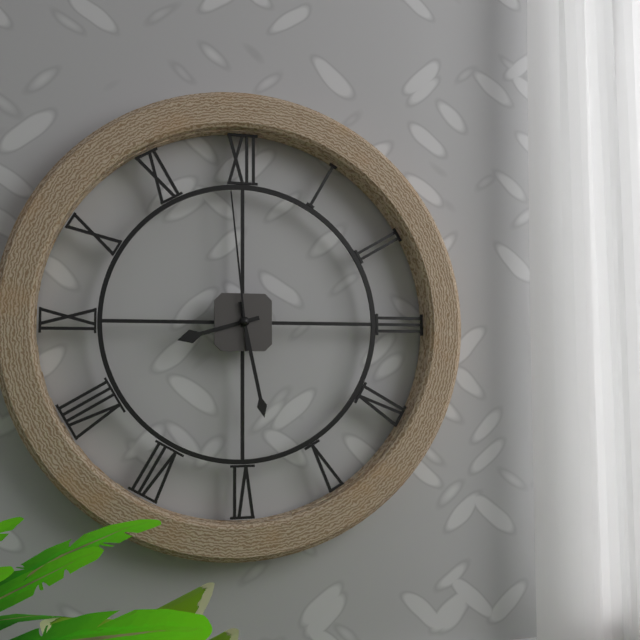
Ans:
8.28.59
